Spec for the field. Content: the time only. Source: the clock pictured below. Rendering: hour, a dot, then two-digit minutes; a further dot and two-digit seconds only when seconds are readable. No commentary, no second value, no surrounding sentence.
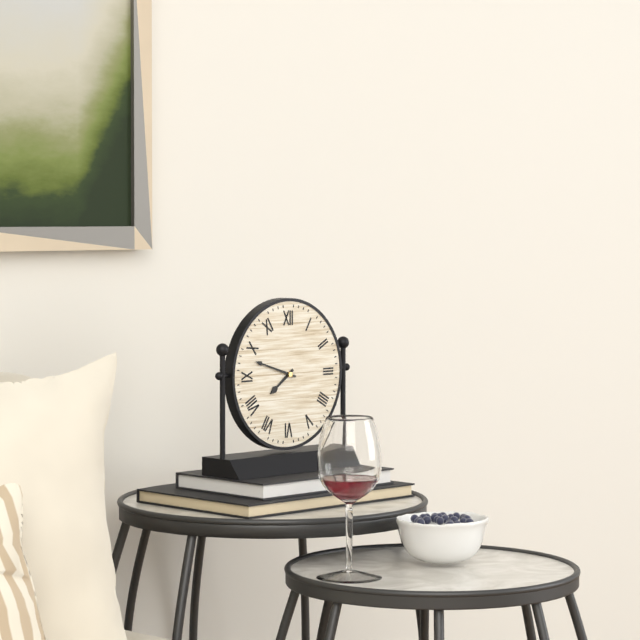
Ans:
7.48
